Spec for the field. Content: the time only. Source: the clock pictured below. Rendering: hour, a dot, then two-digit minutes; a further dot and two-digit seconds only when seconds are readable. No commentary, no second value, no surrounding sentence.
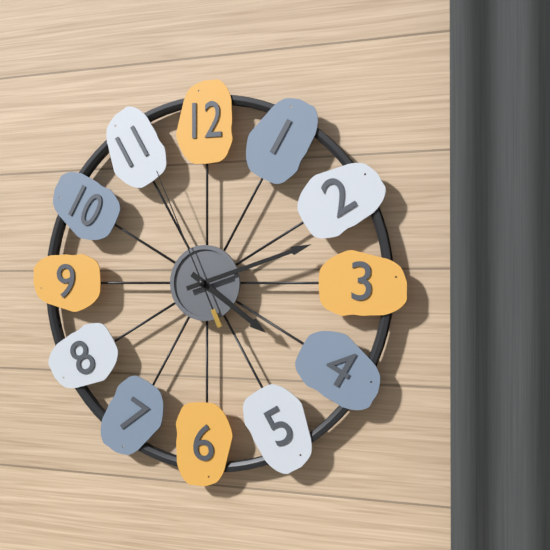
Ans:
4.12.56
